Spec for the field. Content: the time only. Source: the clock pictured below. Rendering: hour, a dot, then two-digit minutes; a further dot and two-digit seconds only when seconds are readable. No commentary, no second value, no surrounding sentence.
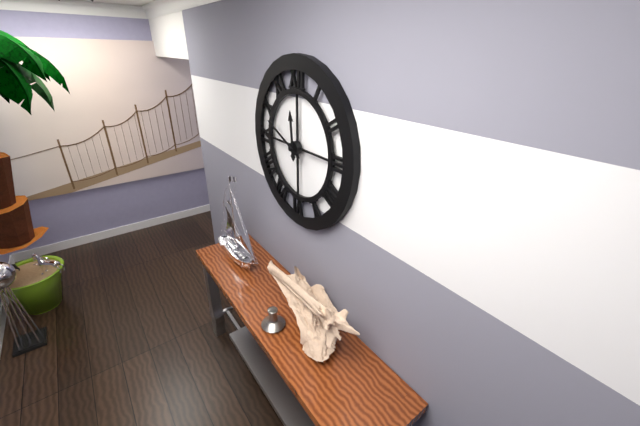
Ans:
11.49
